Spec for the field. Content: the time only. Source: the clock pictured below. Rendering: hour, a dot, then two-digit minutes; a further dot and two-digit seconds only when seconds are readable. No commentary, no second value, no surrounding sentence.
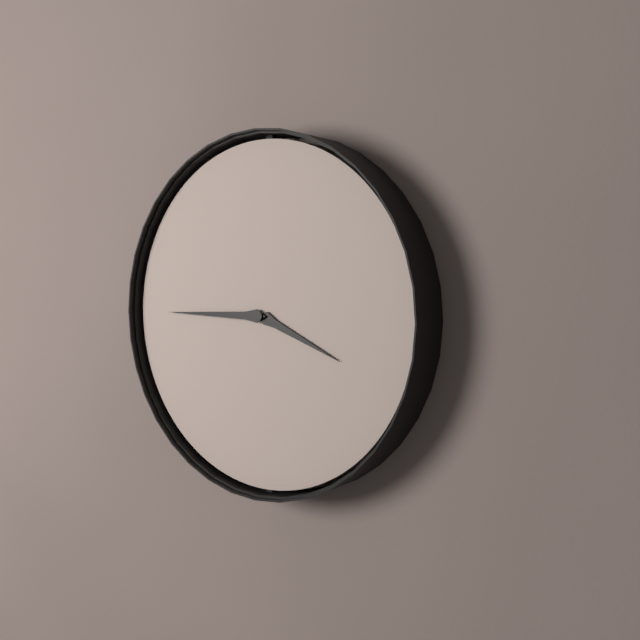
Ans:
3.45
